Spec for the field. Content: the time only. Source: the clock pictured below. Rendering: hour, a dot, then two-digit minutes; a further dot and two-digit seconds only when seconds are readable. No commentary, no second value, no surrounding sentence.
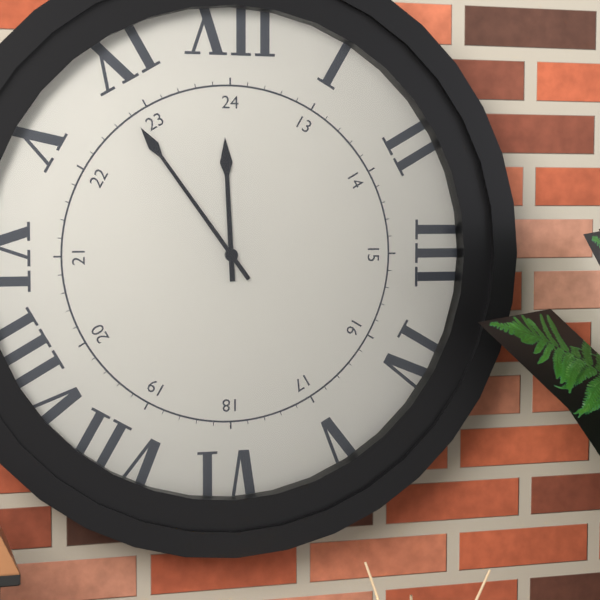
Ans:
11.54
